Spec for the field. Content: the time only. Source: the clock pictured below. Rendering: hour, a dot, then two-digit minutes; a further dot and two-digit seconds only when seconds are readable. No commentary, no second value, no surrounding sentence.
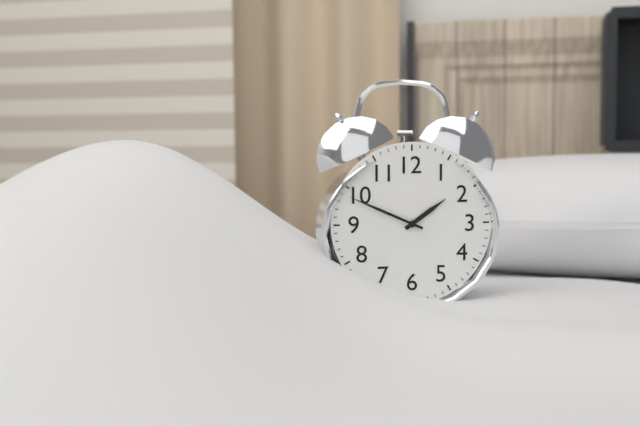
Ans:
1.49
